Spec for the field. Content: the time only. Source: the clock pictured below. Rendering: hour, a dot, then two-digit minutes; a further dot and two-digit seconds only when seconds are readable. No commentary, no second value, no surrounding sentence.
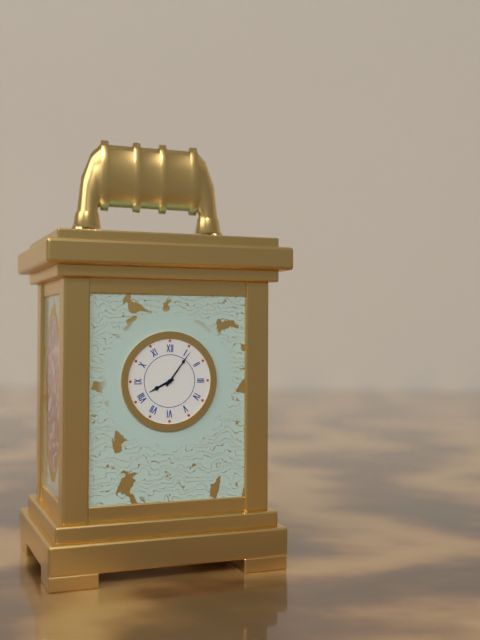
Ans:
8.06
